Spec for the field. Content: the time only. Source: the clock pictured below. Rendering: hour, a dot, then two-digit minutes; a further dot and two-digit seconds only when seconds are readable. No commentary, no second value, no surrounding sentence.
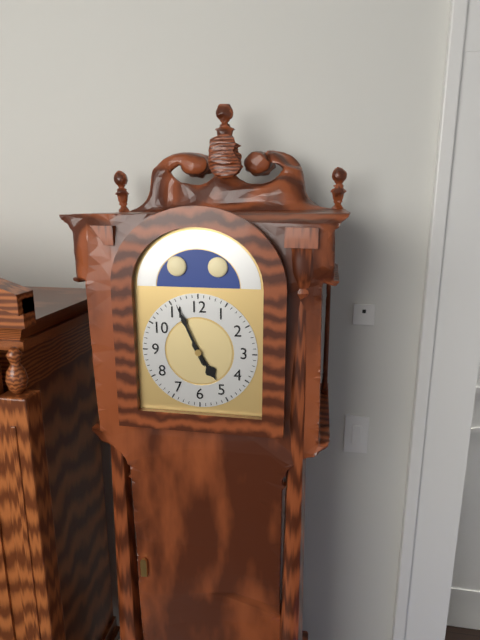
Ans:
4.56
